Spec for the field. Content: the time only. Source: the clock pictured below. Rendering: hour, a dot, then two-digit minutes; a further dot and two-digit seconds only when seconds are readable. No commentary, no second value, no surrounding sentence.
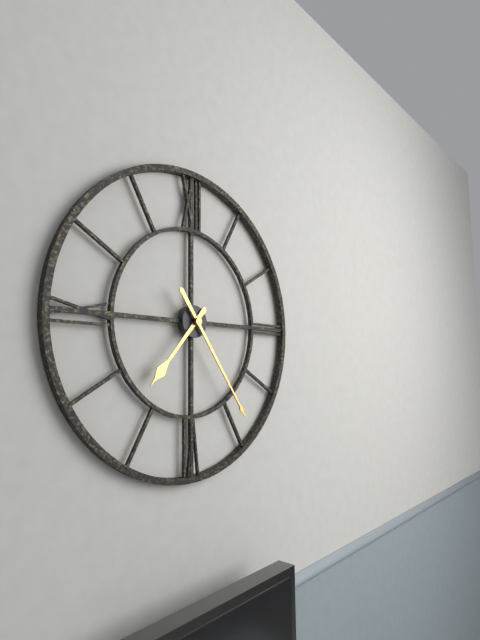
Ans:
7.24
